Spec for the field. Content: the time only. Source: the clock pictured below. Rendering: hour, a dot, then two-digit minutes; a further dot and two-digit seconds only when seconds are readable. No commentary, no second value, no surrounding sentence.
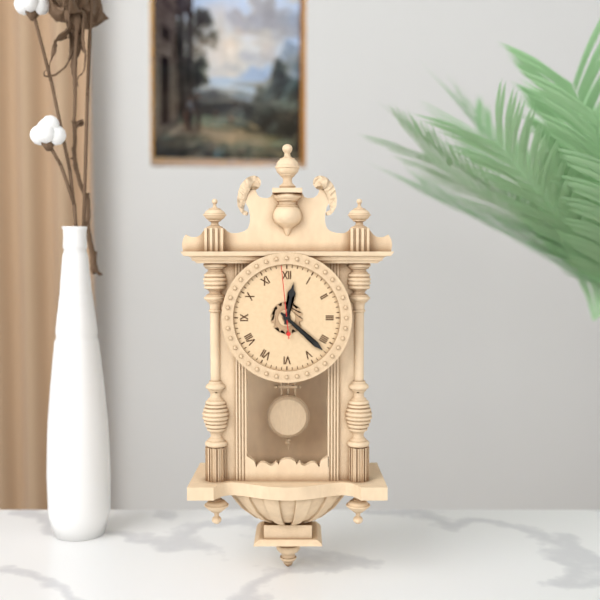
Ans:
12.22.59
